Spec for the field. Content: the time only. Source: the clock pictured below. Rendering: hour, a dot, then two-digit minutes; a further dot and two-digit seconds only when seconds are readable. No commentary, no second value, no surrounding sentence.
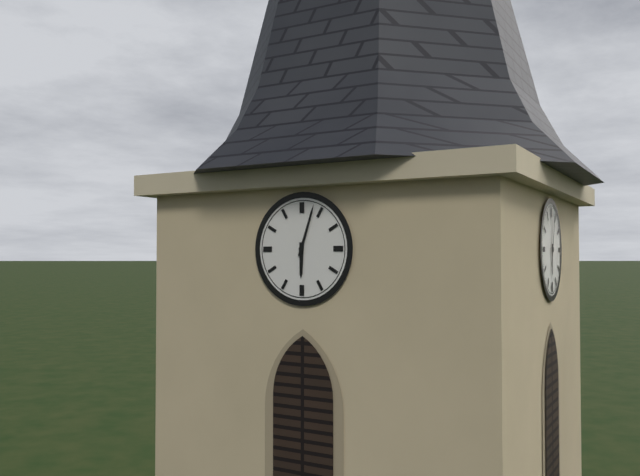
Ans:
6.03
